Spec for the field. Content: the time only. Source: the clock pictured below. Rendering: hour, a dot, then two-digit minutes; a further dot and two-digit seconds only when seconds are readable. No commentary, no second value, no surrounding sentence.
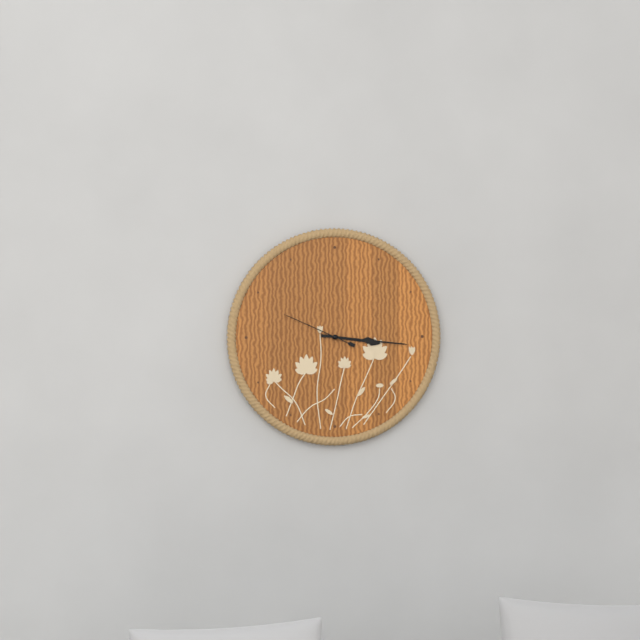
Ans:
3.16.49
